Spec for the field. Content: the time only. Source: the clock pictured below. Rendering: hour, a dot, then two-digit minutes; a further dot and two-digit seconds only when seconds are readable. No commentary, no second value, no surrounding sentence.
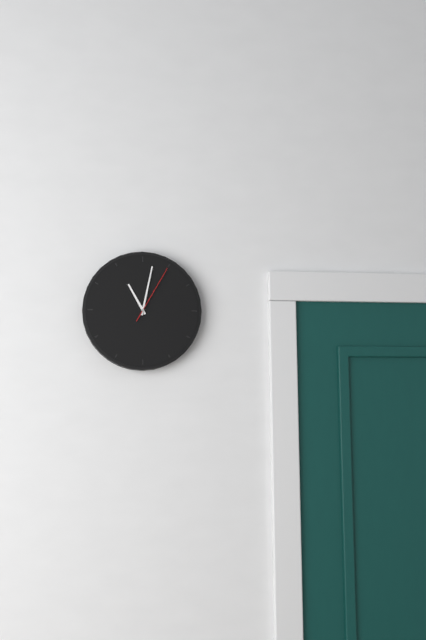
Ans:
11.02.05
